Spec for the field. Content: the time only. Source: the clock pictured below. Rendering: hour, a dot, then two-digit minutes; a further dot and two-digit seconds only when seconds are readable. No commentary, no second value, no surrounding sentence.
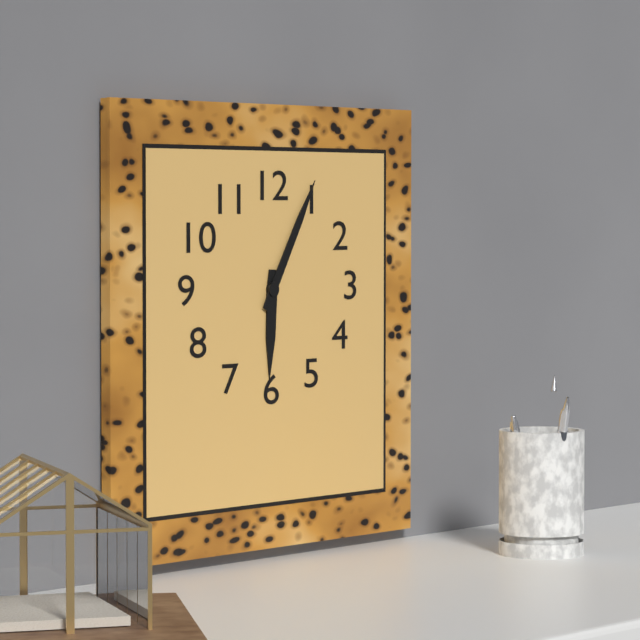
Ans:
6.05
